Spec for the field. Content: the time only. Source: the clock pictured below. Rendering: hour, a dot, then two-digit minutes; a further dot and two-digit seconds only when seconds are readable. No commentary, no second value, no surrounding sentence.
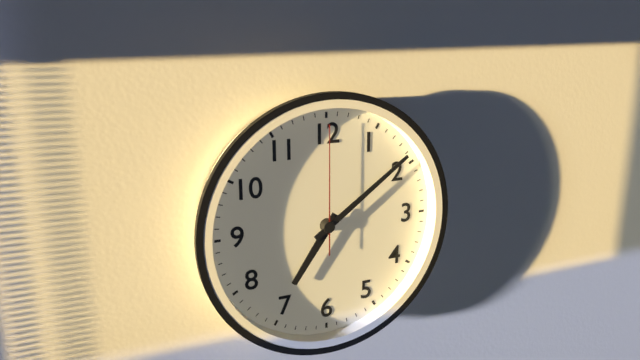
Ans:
7.09.00
